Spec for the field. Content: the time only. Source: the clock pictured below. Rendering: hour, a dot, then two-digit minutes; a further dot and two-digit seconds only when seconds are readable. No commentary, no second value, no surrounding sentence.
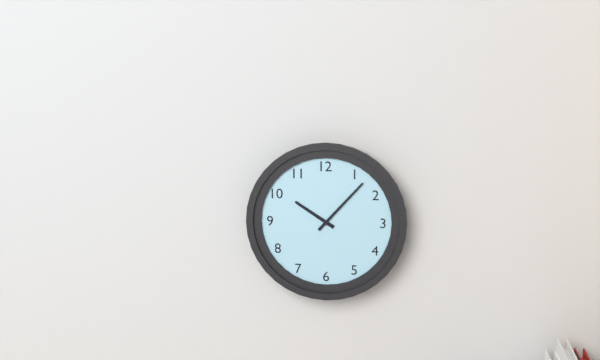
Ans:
10.07
